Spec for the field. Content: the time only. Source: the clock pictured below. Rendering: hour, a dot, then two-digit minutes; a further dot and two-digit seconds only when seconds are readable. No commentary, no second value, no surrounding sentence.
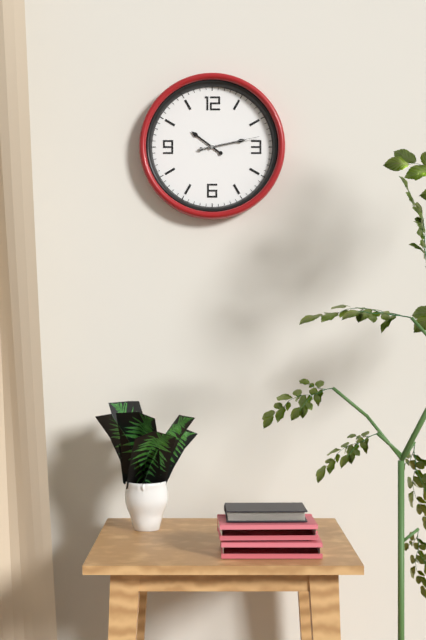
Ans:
10.13.13
